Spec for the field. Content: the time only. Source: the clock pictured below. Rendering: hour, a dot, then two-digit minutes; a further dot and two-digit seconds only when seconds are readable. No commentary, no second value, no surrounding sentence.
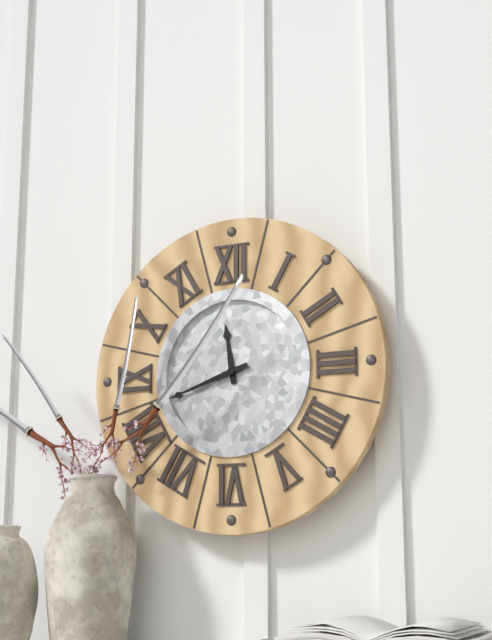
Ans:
11.42
